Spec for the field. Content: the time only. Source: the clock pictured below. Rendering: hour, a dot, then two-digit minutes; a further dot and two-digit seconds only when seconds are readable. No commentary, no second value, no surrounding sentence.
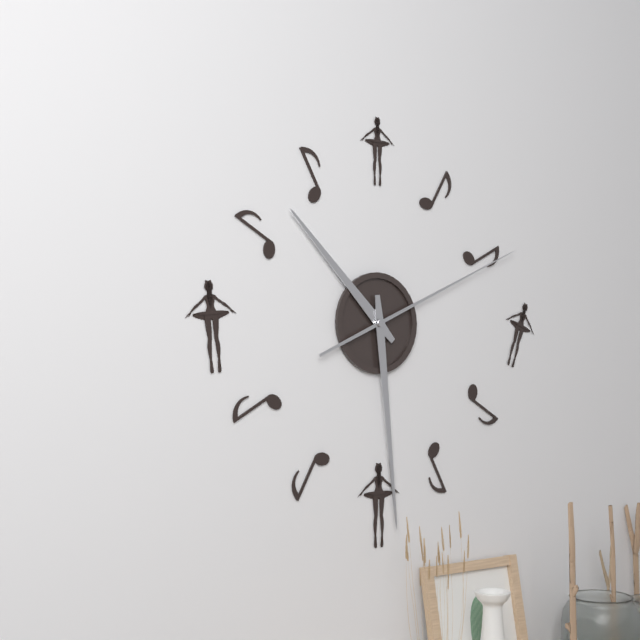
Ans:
10.29.11
